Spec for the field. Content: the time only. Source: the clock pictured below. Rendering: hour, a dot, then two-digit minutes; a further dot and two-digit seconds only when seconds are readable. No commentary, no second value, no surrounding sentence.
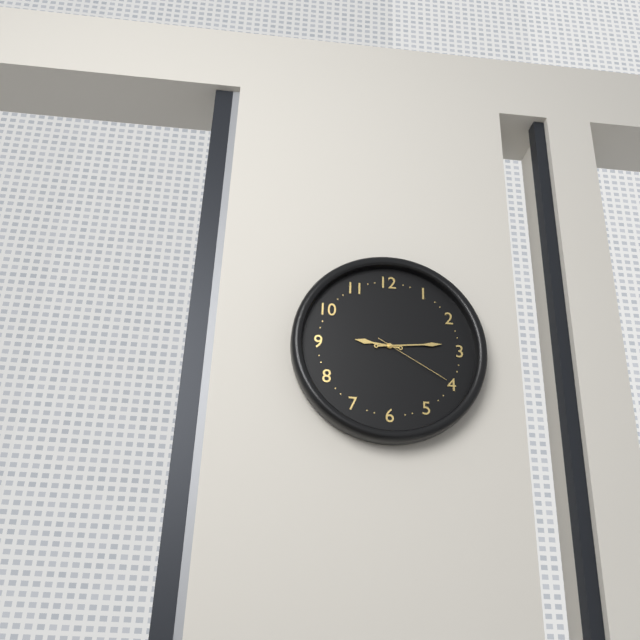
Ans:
9.14.20
